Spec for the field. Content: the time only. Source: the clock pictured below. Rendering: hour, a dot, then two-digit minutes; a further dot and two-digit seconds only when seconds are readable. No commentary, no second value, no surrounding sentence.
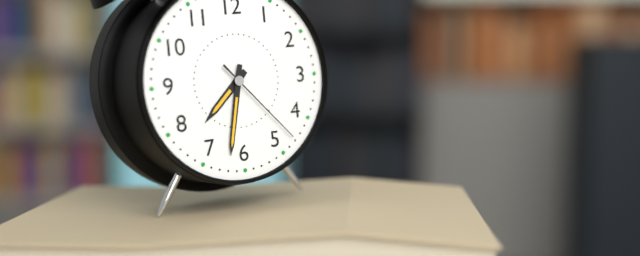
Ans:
7.32.23
